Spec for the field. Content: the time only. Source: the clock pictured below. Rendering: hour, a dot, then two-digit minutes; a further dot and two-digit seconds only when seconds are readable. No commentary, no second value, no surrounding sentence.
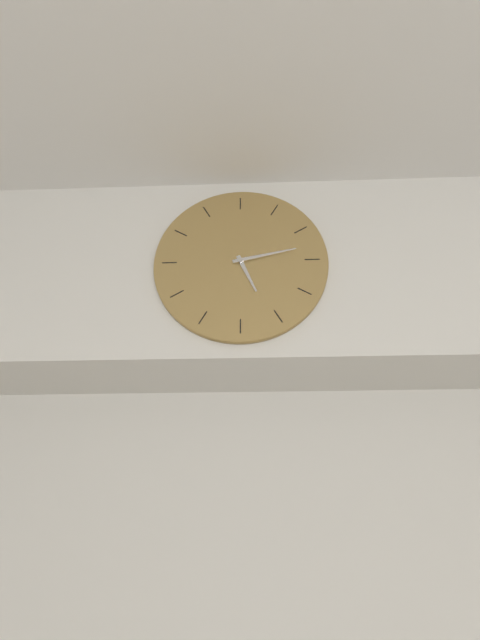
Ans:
5.13
